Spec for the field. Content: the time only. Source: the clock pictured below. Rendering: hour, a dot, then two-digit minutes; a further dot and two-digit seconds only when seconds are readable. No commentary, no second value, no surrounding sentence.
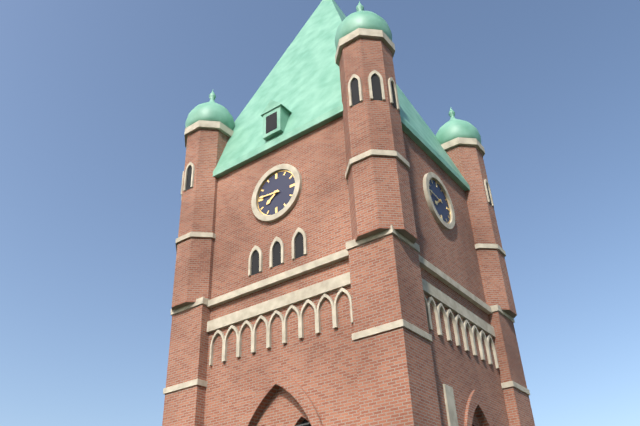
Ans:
7.46
